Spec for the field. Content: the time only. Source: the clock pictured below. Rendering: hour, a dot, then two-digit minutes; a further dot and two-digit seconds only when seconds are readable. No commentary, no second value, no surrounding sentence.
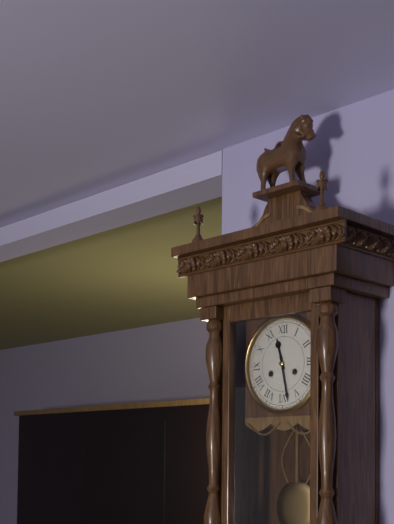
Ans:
11.28
